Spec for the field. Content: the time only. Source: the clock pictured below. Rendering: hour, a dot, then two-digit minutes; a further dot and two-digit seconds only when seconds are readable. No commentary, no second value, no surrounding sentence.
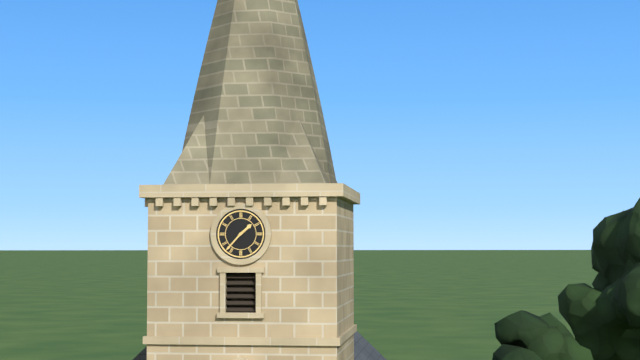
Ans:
1.37
